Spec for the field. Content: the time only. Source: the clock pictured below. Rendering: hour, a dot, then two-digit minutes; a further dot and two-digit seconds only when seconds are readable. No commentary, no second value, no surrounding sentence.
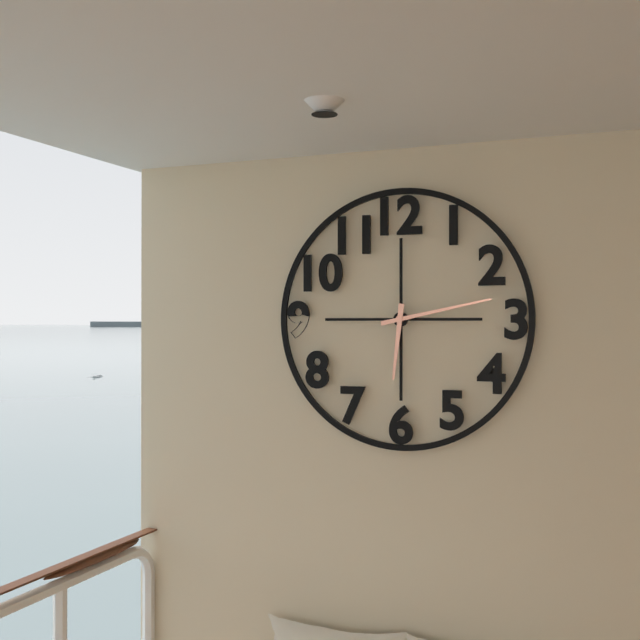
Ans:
6.13
